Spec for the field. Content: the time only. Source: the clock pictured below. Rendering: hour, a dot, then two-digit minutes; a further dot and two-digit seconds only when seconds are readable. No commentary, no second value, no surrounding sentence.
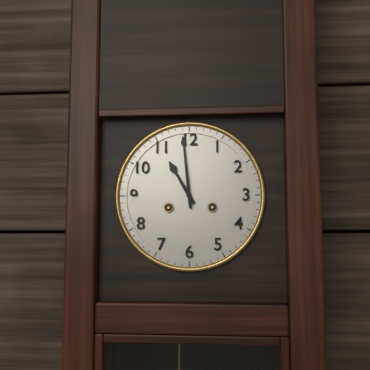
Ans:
10.59
